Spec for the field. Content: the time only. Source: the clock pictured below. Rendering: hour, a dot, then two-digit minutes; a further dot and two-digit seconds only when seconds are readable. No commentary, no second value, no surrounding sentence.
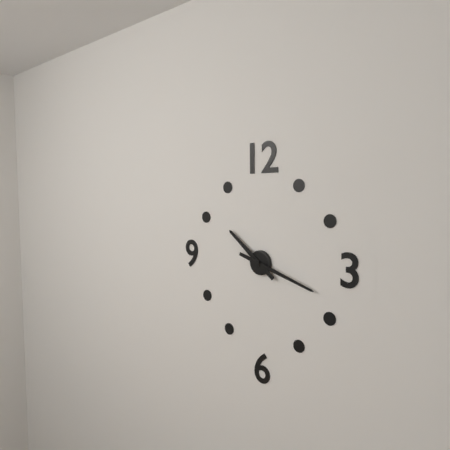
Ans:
10.18
